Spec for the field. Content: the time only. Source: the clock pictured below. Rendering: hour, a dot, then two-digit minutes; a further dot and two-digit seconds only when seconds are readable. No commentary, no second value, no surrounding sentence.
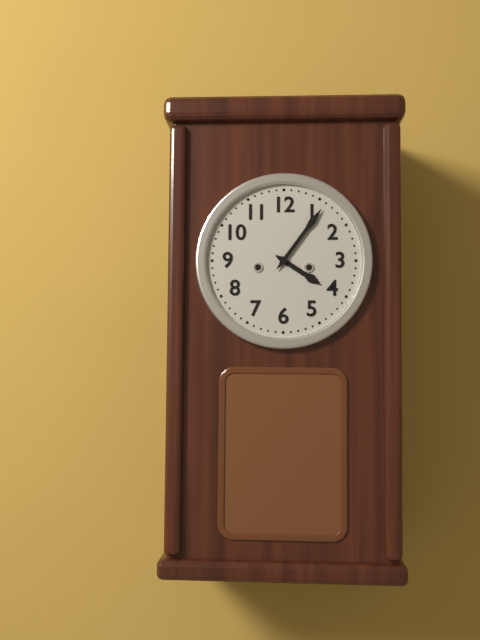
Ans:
4.06
